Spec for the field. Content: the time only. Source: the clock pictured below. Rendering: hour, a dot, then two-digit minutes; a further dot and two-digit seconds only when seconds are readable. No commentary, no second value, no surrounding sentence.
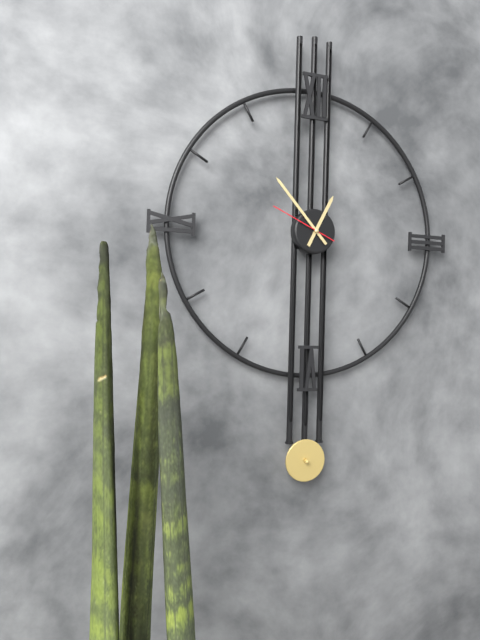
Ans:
12.53.49
